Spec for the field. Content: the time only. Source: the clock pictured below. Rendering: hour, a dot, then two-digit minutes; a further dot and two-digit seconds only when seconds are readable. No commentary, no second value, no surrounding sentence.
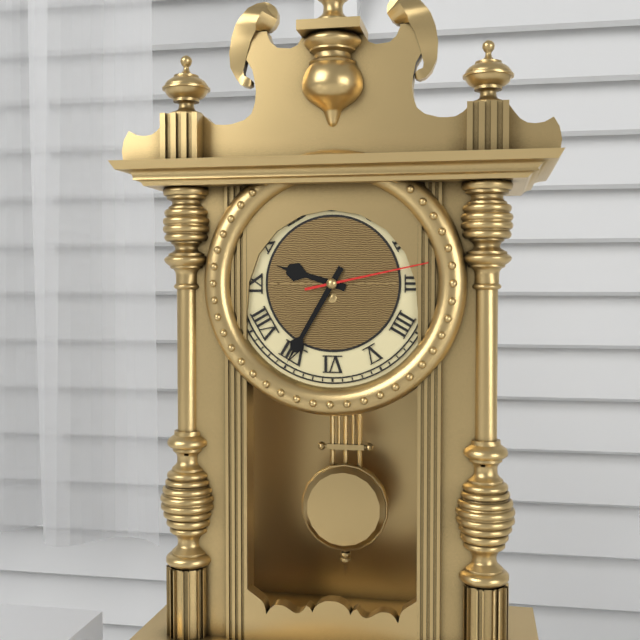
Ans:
9.35.13
